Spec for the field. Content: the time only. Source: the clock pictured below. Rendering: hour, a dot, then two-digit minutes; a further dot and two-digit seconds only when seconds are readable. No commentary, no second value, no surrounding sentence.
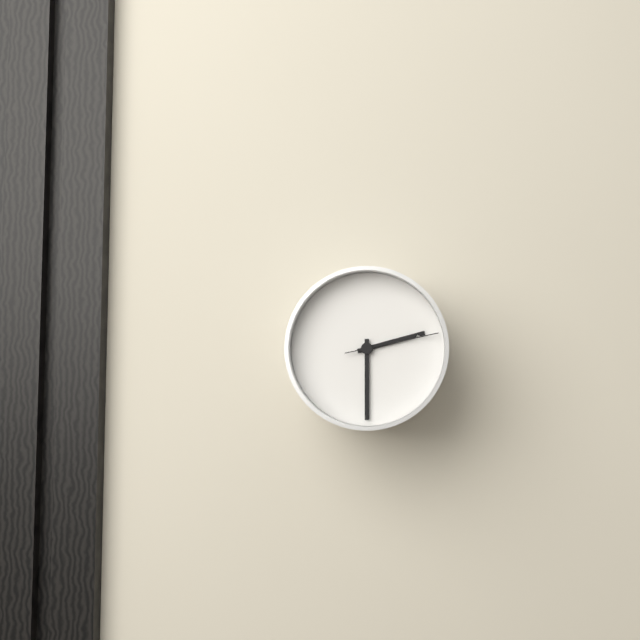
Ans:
2.30.13
